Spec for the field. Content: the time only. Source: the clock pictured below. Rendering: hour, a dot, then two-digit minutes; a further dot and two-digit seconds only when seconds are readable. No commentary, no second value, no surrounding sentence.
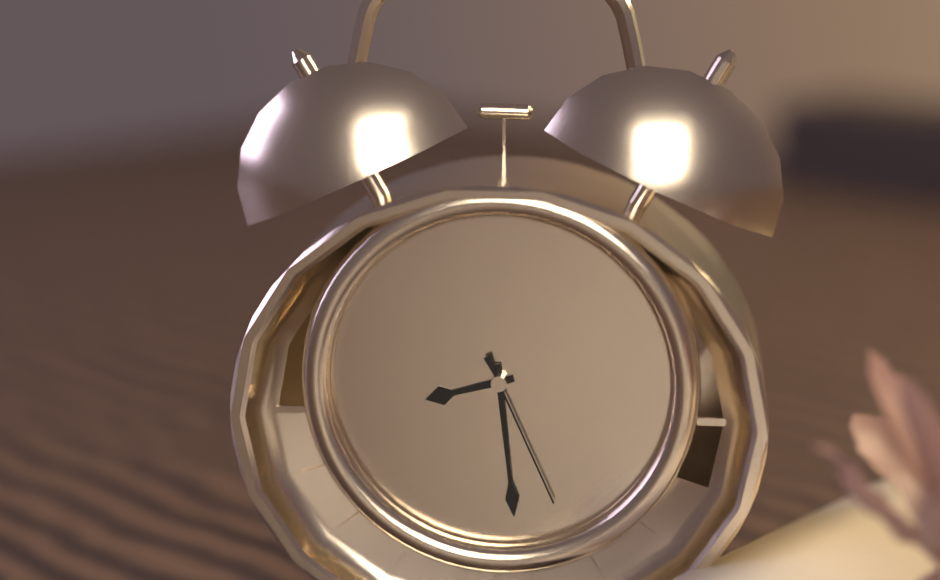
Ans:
8.29.26
